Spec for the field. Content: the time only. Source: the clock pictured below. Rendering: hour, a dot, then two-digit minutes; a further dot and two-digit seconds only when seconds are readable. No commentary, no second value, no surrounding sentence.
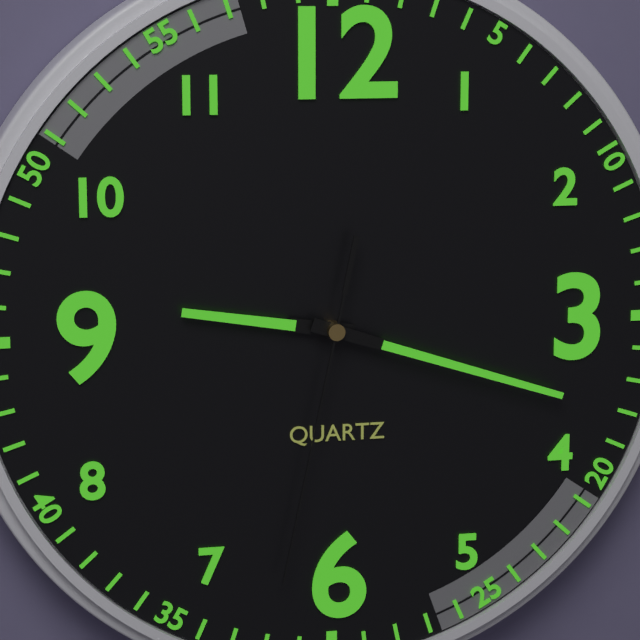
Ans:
9.18.32
